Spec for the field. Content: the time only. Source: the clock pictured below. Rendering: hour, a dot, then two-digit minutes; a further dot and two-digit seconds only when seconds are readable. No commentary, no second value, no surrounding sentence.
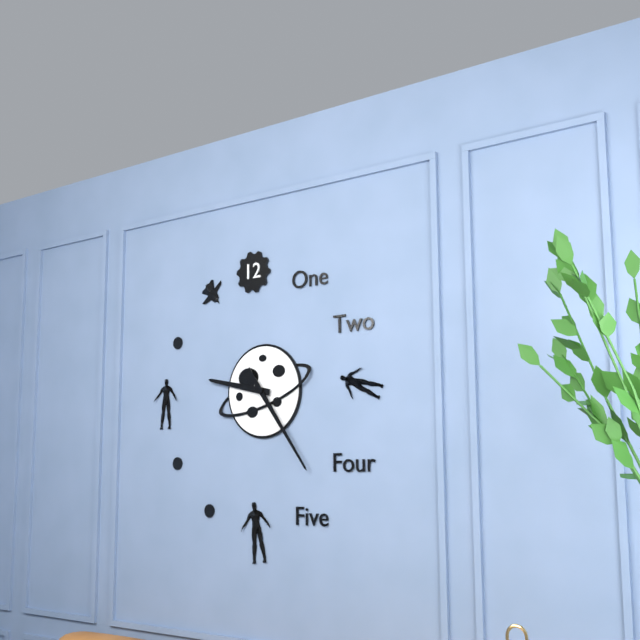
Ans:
9.24
